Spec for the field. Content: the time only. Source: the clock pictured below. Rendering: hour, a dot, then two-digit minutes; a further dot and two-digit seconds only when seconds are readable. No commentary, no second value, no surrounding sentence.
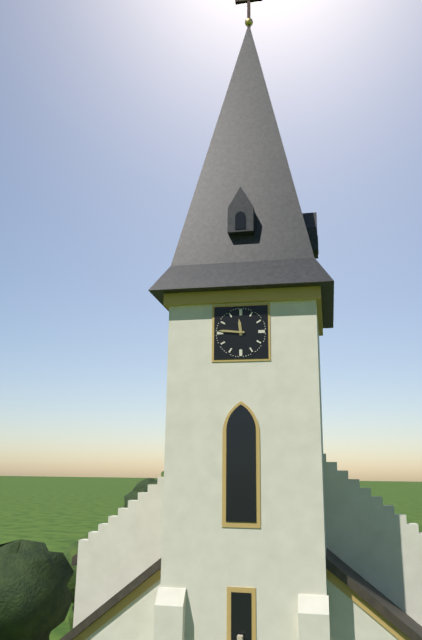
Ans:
11.46
